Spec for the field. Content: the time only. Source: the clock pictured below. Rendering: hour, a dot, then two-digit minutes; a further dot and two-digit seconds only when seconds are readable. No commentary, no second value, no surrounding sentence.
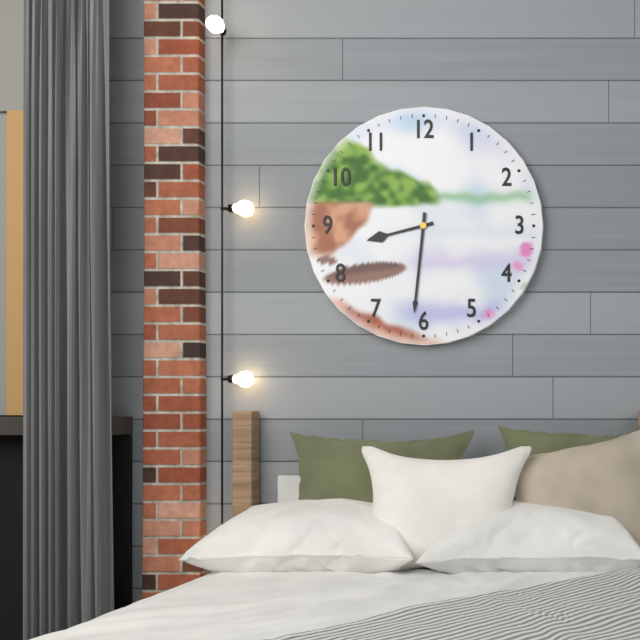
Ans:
8.31
